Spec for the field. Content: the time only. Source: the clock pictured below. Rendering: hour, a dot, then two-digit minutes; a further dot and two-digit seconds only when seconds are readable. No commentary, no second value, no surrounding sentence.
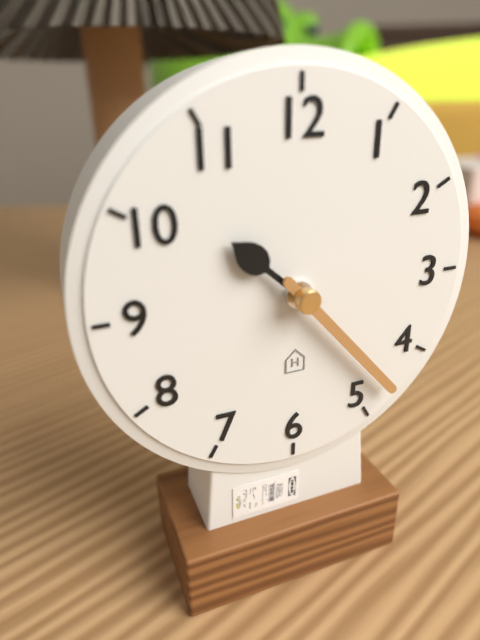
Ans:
10.23
